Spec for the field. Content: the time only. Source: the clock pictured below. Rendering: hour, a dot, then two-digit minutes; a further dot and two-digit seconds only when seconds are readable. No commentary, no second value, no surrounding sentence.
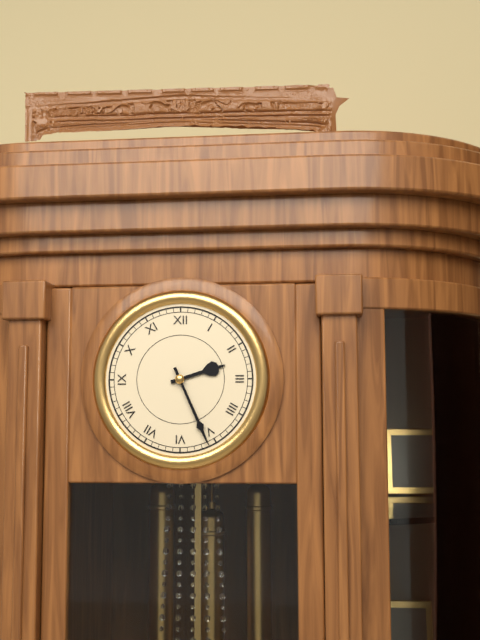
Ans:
2.26
